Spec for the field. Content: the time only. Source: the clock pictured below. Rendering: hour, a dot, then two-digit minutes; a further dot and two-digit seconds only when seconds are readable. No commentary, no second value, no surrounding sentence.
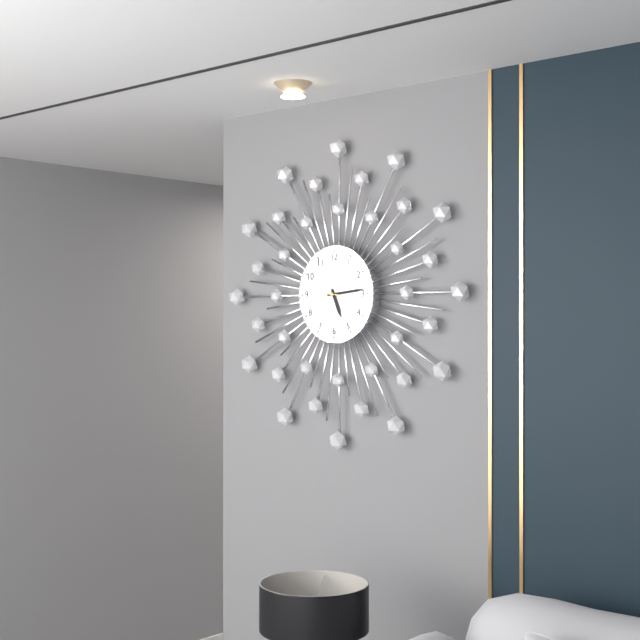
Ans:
5.14
